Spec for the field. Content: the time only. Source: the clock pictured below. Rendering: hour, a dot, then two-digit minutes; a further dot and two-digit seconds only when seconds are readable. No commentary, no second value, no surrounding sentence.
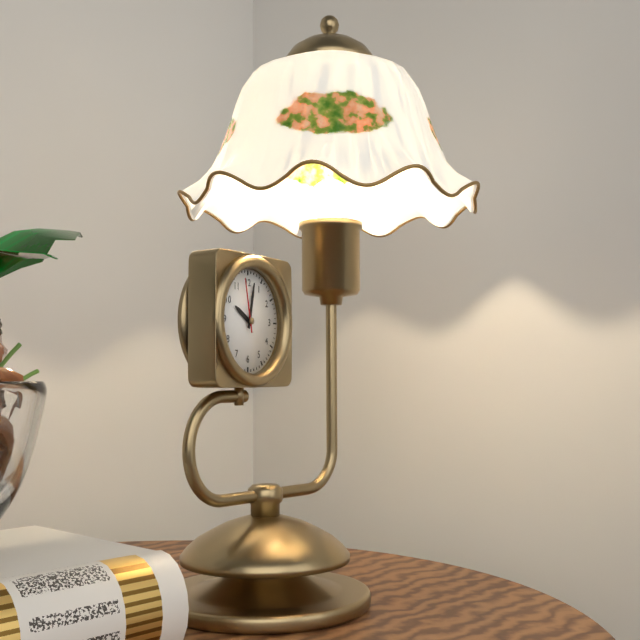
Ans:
10.02.58
